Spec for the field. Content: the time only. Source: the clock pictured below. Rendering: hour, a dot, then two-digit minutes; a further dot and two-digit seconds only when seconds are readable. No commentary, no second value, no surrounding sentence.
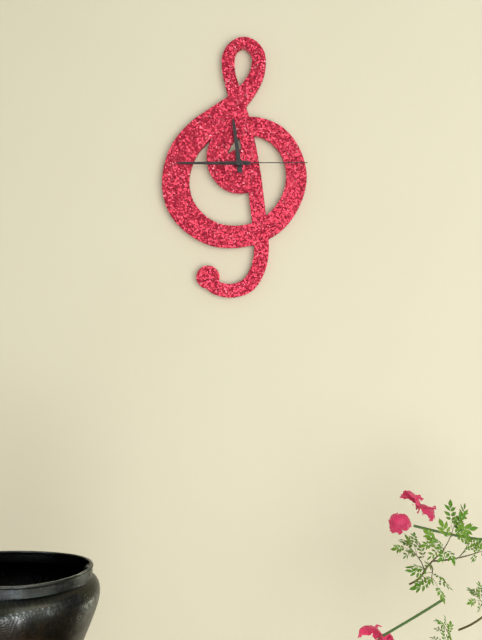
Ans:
11.45.15
